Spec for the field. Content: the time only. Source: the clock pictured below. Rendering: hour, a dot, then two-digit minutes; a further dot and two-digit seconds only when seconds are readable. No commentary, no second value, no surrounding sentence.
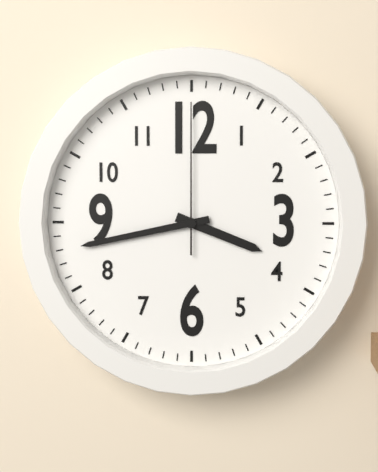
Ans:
3.43.00
